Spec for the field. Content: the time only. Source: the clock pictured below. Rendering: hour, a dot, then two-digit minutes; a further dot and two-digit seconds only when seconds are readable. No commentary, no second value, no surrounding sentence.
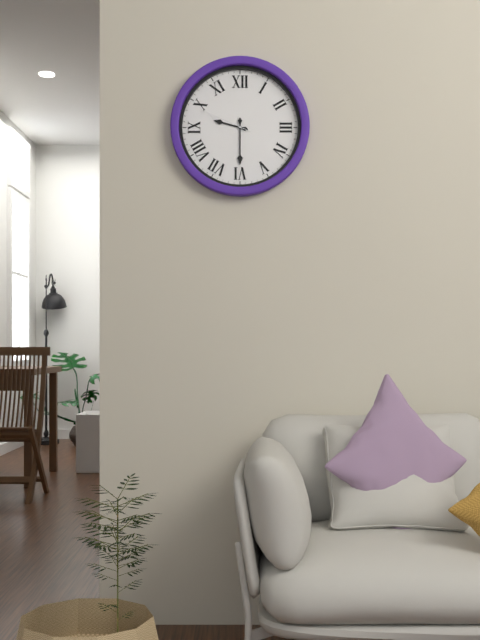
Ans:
9.30.49
